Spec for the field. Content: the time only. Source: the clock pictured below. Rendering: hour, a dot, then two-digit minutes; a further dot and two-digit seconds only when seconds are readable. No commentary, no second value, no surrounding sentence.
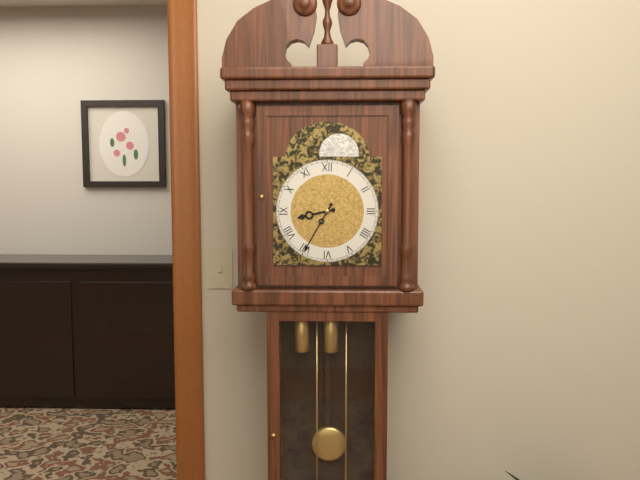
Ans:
8.35
